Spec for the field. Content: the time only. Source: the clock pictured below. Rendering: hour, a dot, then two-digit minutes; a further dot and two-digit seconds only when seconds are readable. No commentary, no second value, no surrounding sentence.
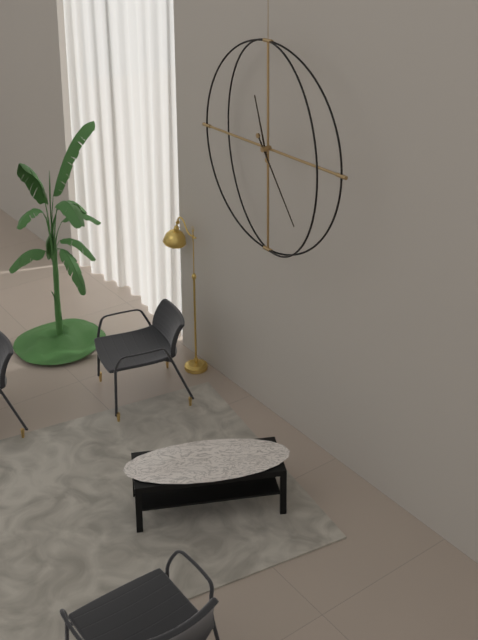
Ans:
11.24
